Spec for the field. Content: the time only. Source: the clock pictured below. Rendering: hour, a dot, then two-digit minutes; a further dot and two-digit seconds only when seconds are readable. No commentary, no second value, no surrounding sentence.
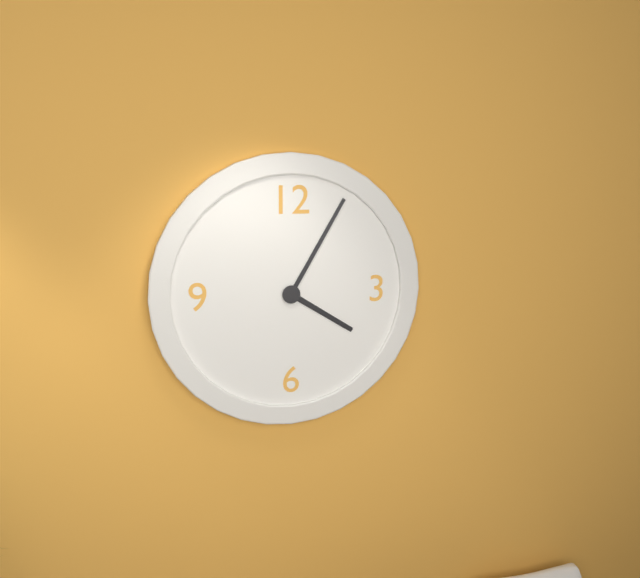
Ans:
4.05
